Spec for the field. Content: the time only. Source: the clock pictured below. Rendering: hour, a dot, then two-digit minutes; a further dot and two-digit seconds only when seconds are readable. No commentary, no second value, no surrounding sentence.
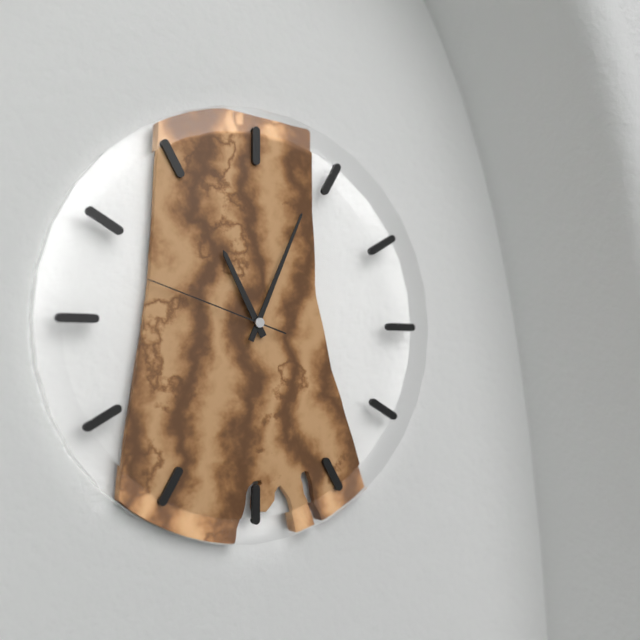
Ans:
11.04.48
